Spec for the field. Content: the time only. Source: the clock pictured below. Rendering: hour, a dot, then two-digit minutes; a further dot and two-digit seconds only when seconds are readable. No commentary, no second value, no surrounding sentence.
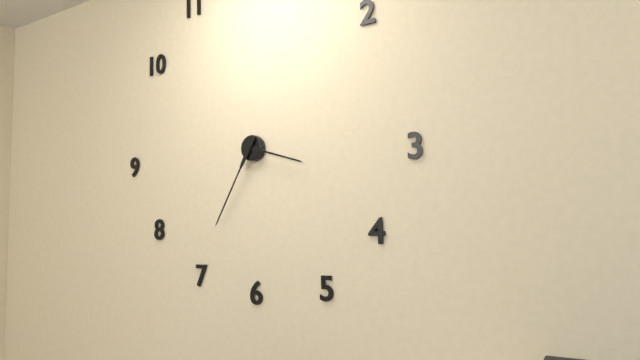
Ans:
3.35
